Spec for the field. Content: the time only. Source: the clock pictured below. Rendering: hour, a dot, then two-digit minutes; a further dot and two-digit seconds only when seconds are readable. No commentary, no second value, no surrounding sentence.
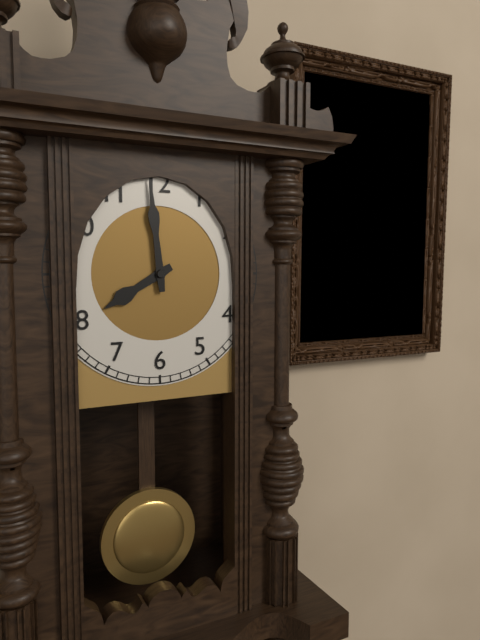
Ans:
7.59
